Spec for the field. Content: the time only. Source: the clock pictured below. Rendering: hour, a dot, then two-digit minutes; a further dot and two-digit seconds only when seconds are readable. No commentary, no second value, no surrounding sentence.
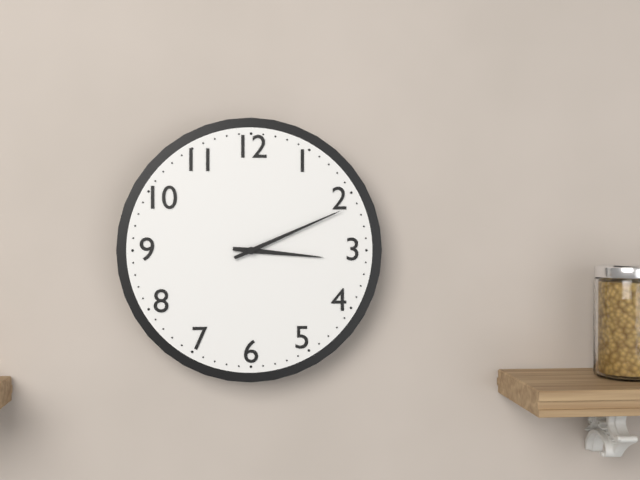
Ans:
3.11
